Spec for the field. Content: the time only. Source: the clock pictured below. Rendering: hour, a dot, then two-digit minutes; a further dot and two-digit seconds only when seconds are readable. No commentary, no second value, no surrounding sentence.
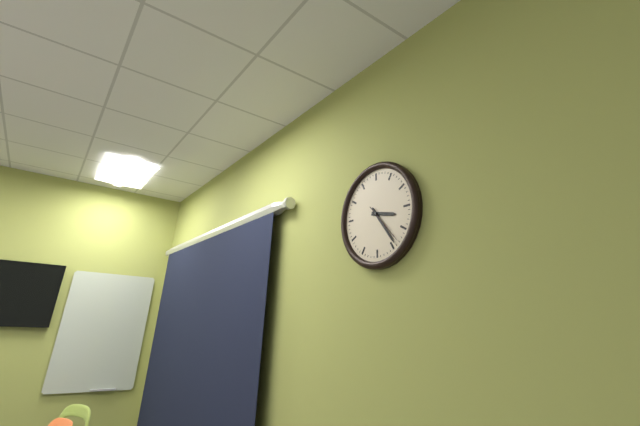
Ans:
3.24
